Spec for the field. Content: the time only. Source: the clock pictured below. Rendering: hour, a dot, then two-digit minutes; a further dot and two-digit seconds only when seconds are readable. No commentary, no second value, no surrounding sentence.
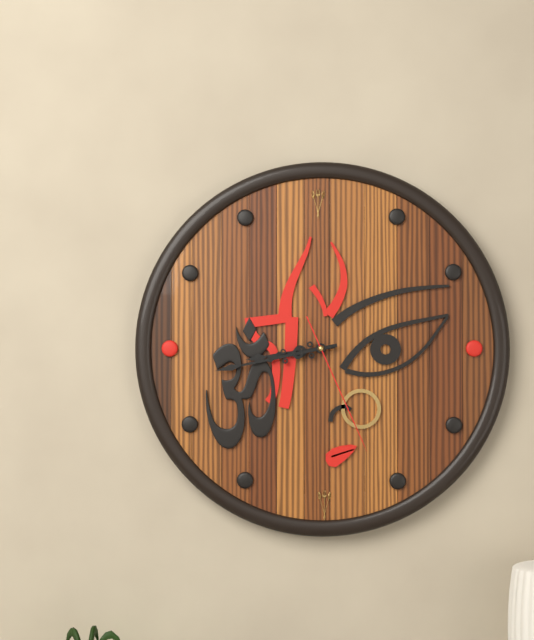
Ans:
8.43.26
